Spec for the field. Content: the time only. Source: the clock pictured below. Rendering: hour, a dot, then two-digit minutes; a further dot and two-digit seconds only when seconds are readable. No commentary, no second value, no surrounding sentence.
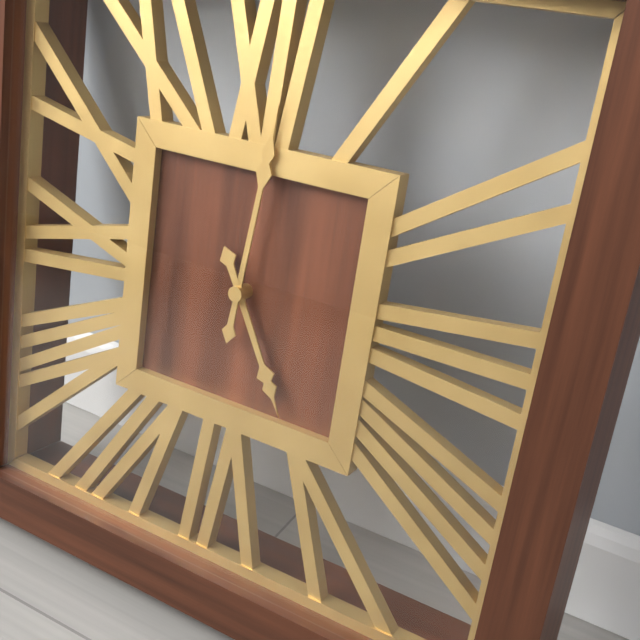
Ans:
5.01
